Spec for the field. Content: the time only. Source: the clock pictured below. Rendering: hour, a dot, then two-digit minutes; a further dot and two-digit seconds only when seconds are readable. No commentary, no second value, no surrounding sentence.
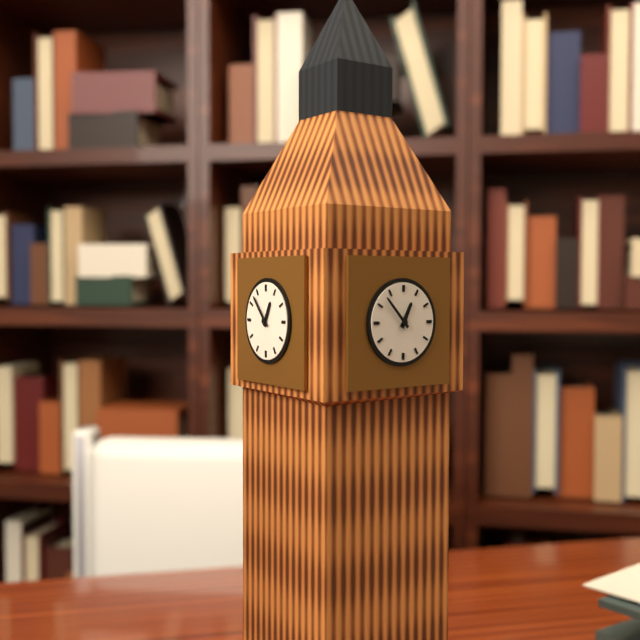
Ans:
12.53
